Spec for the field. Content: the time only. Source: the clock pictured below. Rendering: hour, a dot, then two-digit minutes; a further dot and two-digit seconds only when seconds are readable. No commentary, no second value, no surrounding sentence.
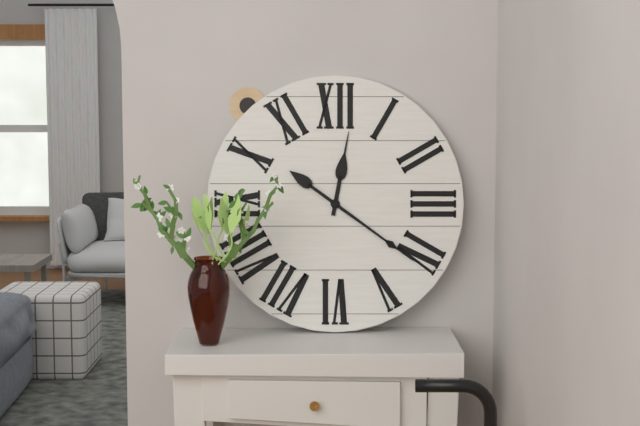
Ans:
12.21
